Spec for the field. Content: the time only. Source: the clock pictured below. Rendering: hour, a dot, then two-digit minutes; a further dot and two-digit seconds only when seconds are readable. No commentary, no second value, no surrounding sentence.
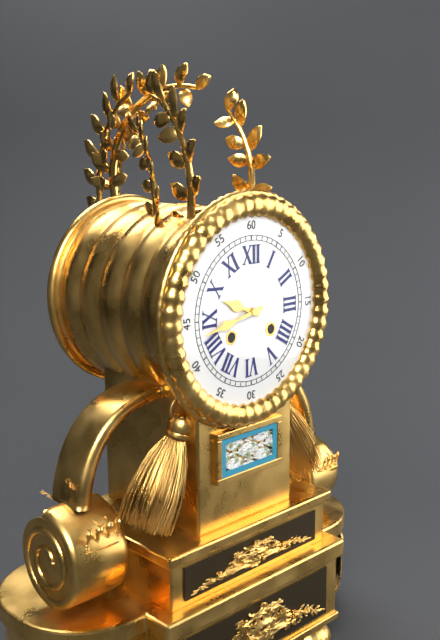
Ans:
9.43
